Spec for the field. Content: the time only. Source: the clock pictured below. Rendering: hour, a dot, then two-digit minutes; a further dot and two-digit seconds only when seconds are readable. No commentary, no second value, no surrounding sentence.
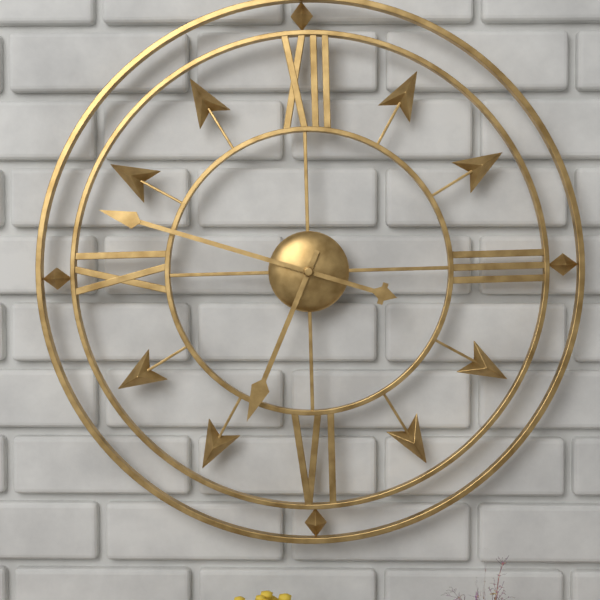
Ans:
6.48
